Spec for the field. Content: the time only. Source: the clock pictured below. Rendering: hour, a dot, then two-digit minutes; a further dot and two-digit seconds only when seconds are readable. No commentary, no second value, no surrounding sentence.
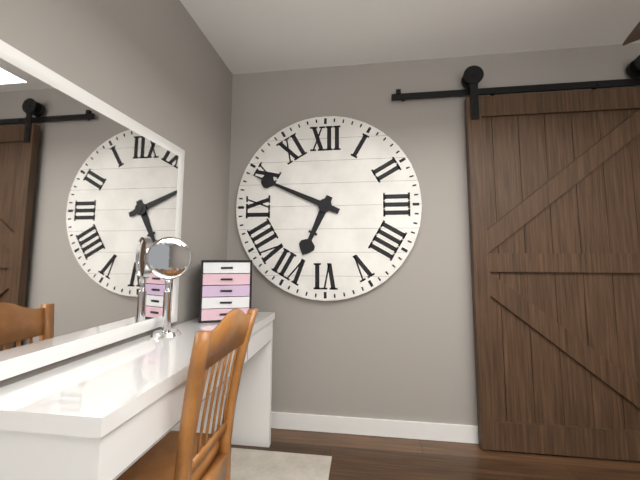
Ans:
6.49
